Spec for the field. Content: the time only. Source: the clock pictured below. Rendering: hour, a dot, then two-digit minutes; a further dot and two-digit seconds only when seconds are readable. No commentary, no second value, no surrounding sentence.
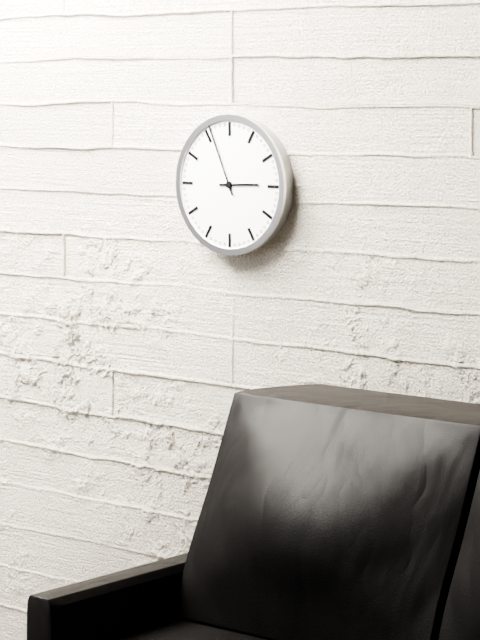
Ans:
2.56
